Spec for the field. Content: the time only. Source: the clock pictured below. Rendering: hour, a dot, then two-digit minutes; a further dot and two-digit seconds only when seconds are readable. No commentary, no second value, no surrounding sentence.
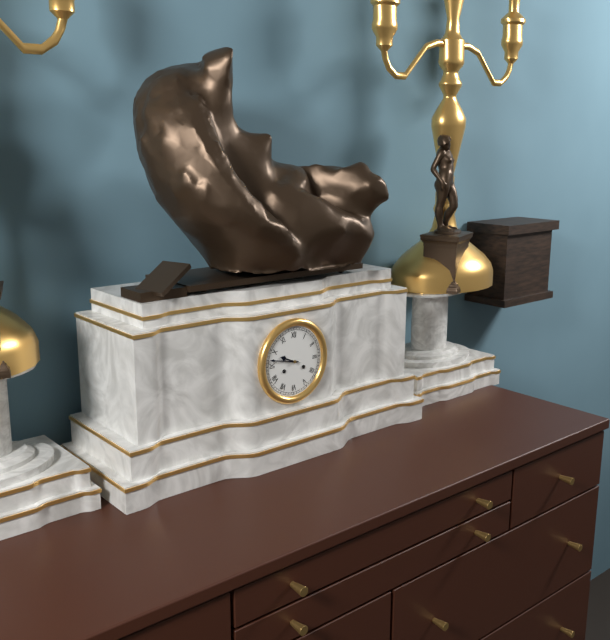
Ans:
9.47
